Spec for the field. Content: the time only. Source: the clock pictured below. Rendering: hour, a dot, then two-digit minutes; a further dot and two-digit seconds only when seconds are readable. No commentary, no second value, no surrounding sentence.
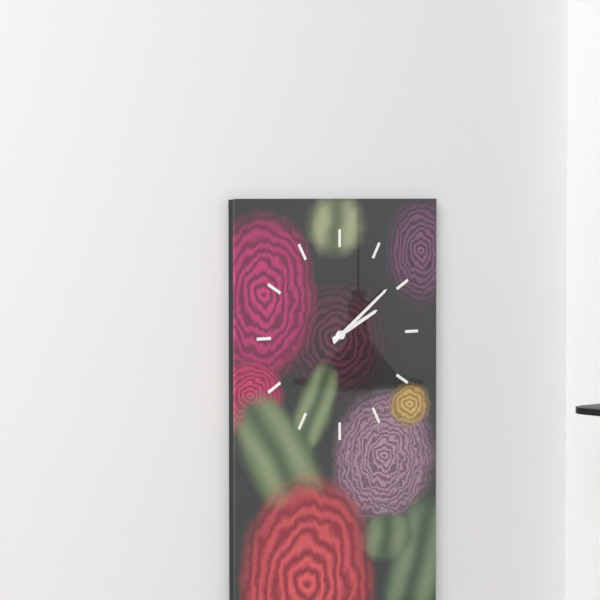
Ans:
2.09
